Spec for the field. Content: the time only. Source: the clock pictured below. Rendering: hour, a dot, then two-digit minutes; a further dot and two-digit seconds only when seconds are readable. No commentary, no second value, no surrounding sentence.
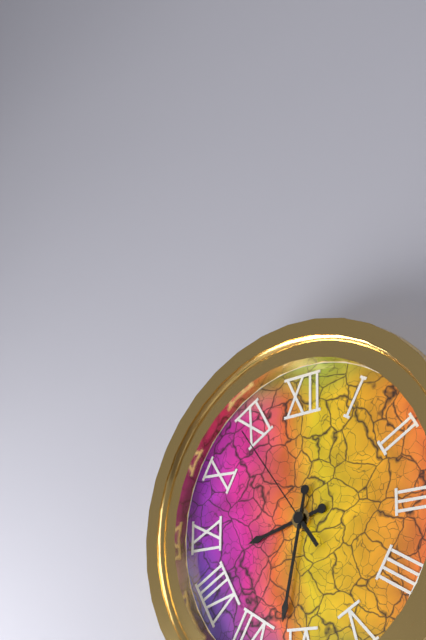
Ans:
8.32.54
